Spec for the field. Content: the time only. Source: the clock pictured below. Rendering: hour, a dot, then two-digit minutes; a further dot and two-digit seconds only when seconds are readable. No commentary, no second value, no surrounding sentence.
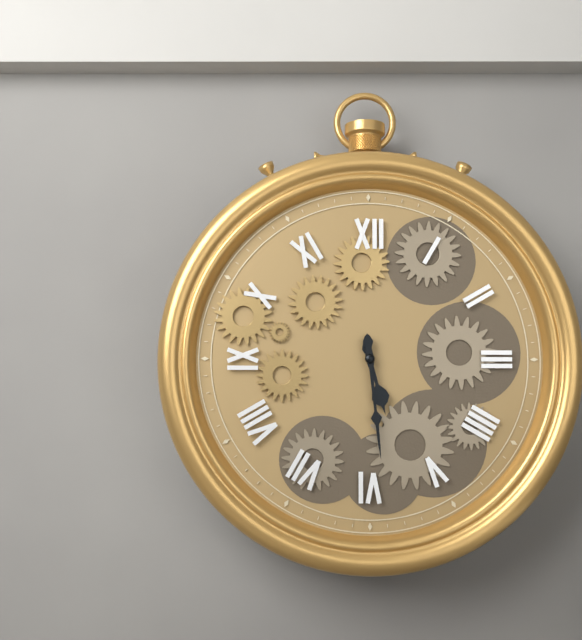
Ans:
5.29
